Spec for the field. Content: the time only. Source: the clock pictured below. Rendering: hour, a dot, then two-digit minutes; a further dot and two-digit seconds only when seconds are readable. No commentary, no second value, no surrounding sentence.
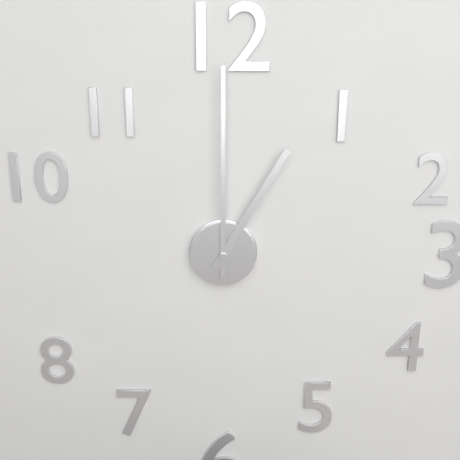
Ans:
1.00
